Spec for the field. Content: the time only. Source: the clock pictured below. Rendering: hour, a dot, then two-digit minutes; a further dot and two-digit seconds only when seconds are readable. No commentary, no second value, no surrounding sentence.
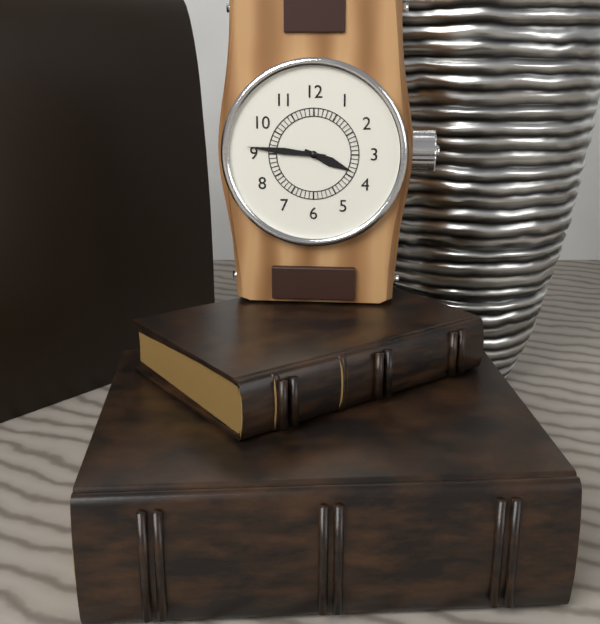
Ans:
3.46
